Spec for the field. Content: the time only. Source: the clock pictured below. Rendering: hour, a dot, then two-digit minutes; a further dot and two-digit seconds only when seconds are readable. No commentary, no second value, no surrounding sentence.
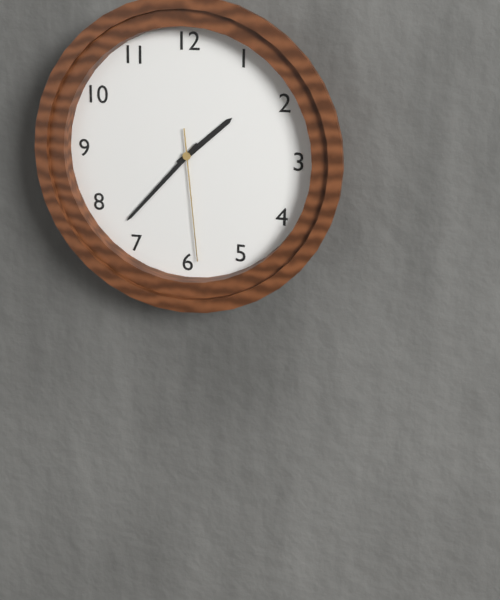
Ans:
1.37.29
